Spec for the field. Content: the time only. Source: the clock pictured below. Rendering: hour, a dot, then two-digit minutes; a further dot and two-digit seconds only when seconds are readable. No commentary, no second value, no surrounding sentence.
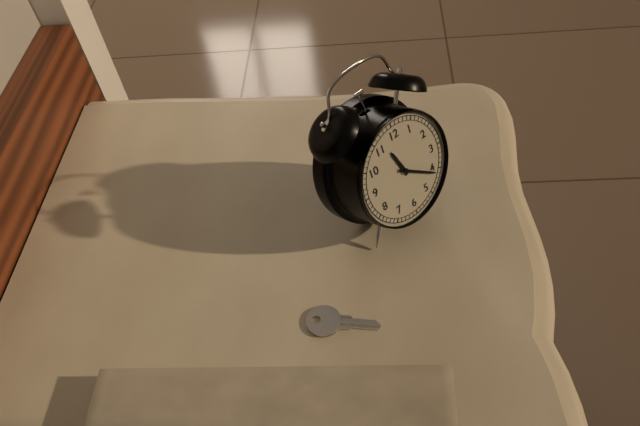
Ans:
11.21
